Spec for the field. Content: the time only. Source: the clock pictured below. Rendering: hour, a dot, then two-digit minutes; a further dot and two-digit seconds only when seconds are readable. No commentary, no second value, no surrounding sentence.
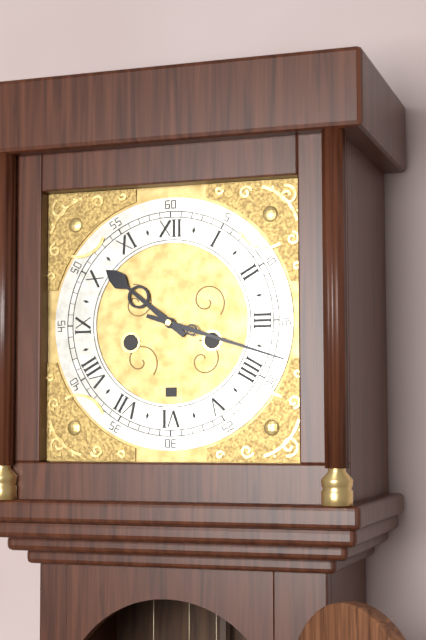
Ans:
10.18
